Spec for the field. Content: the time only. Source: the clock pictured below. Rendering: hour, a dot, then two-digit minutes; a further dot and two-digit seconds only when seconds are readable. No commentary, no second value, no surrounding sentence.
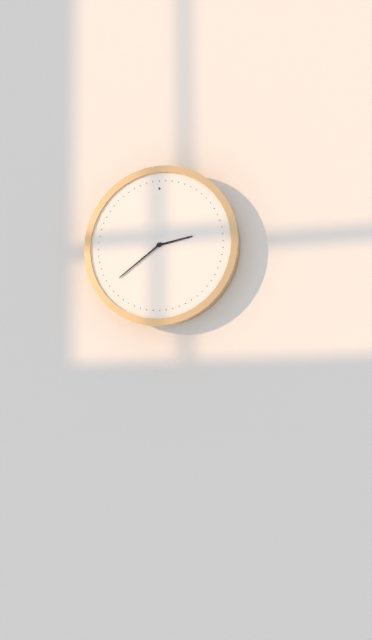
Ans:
2.39
